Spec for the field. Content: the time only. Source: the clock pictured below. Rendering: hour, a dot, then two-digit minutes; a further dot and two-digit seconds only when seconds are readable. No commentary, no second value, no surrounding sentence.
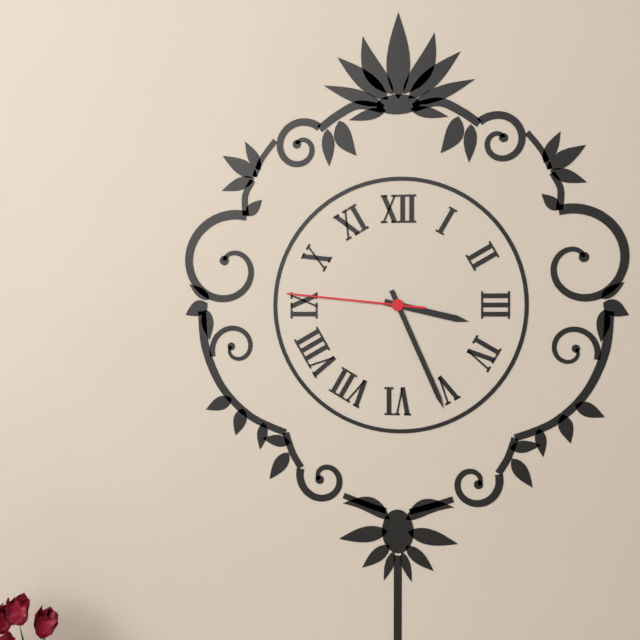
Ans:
3.26.46
